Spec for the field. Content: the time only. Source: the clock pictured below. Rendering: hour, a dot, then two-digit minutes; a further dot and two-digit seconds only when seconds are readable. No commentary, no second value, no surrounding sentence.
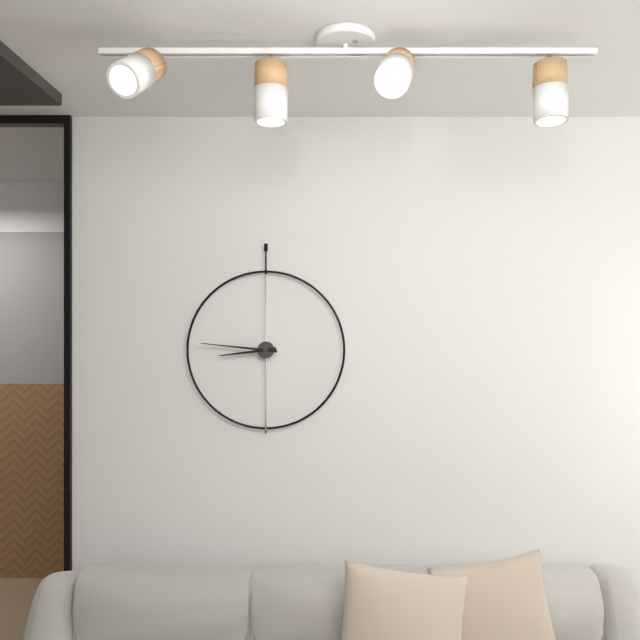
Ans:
8.46
